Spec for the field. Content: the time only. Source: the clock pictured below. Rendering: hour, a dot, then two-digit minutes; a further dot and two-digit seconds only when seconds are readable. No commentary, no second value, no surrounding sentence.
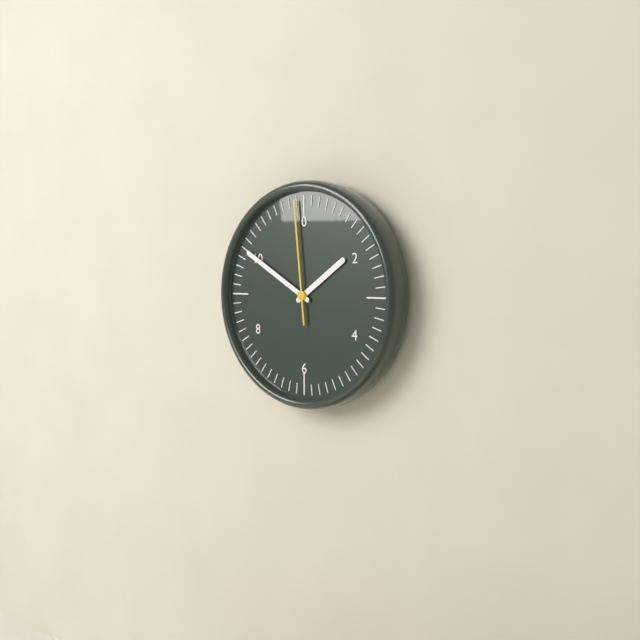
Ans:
1.50.59
